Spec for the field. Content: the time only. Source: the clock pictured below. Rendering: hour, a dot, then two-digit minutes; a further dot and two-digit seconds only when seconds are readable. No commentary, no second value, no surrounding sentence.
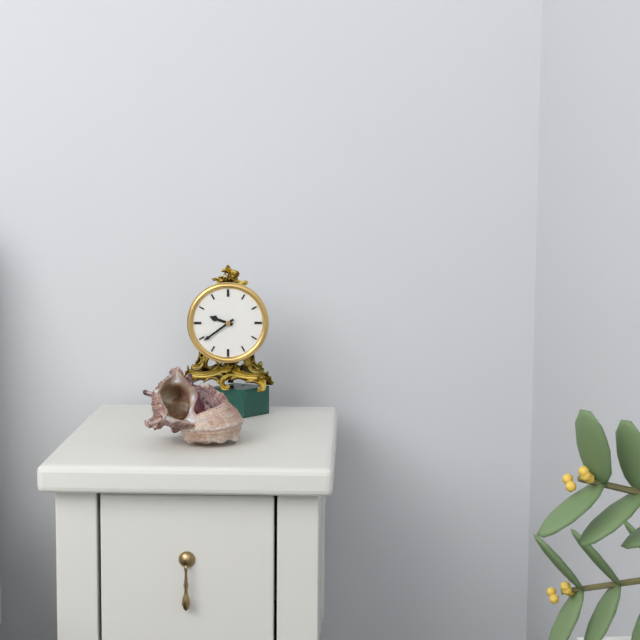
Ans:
9.39
